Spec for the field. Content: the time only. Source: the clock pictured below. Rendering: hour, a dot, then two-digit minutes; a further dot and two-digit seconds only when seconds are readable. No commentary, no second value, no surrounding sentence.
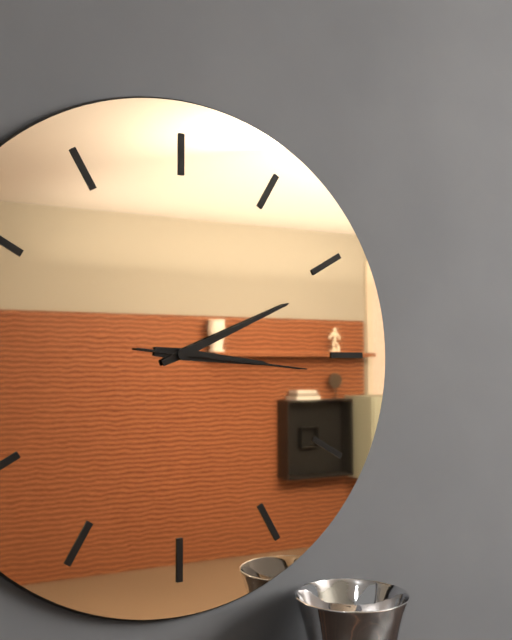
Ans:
3.11.16
